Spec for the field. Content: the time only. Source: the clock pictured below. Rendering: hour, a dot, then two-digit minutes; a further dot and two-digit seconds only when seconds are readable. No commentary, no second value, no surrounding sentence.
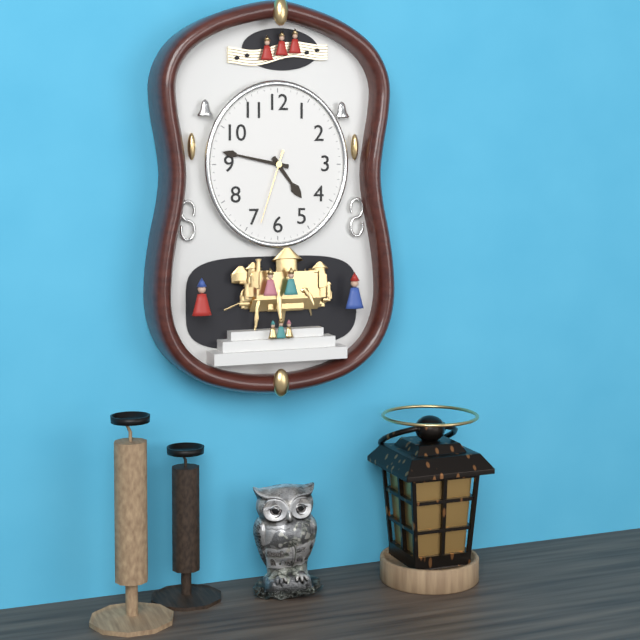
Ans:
4.47.33
